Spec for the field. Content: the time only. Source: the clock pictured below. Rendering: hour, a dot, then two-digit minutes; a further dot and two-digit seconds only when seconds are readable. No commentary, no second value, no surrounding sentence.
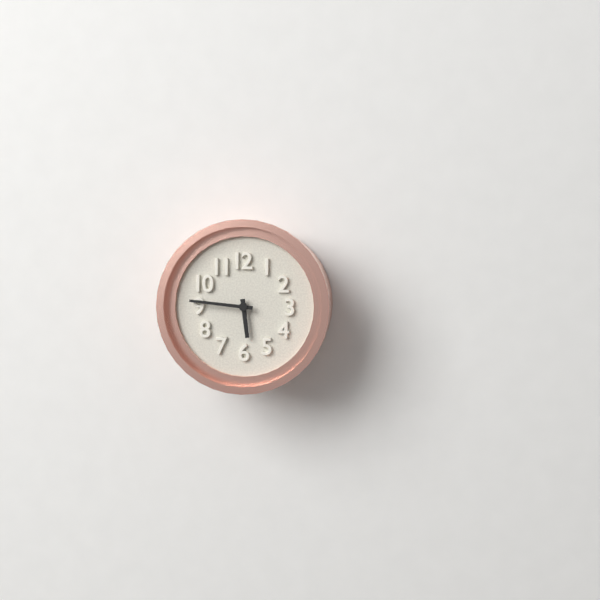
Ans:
5.46
